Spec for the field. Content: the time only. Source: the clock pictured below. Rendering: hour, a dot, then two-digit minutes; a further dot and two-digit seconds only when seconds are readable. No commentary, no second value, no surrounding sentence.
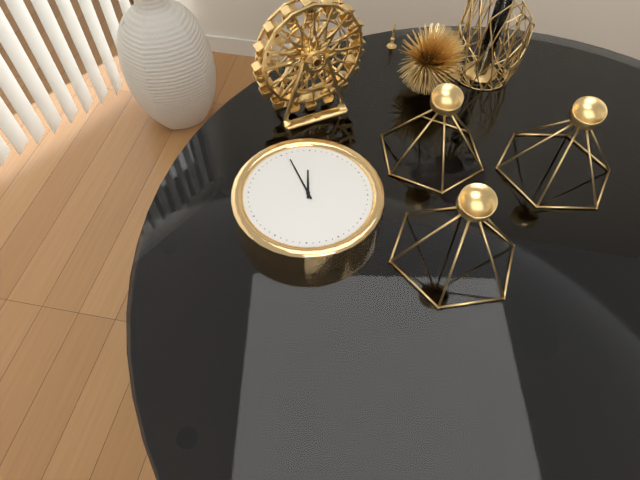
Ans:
11.56
